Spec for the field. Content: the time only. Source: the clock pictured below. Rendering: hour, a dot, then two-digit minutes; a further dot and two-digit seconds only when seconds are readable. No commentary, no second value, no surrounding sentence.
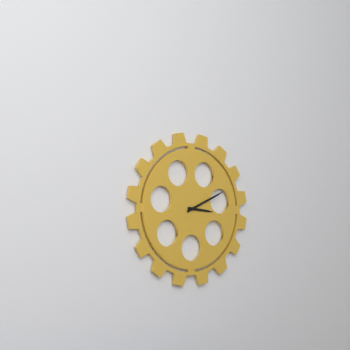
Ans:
3.11
